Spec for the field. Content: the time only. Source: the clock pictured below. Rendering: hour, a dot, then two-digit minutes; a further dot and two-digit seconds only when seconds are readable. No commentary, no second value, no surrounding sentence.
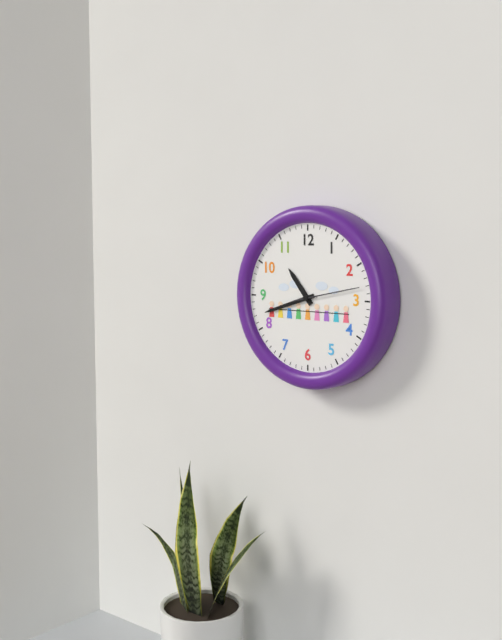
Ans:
10.42.13
